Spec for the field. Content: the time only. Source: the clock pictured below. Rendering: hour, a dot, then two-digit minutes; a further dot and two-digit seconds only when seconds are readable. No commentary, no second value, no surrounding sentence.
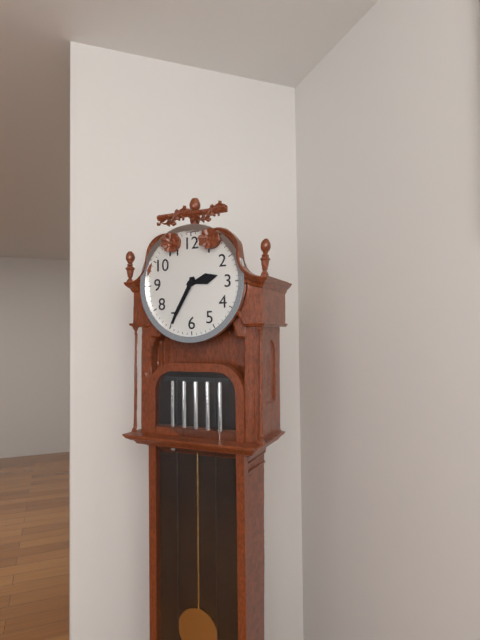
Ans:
2.35
